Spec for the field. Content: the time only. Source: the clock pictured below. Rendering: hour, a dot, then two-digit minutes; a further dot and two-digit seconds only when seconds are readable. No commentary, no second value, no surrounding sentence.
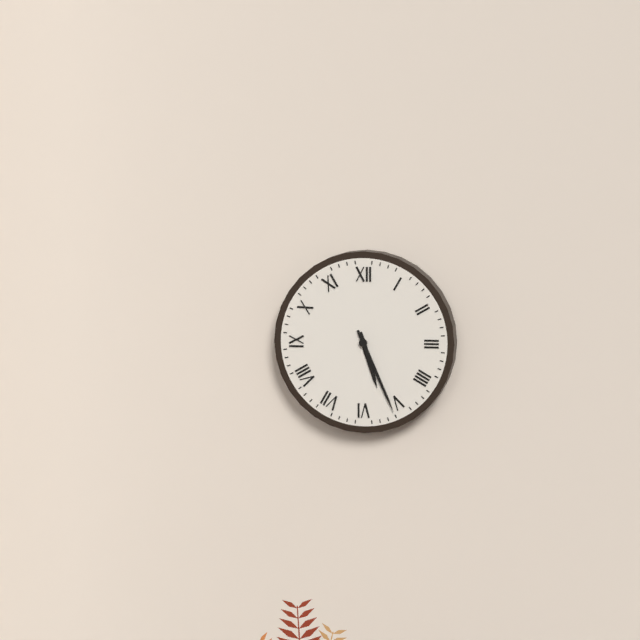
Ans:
5.26
